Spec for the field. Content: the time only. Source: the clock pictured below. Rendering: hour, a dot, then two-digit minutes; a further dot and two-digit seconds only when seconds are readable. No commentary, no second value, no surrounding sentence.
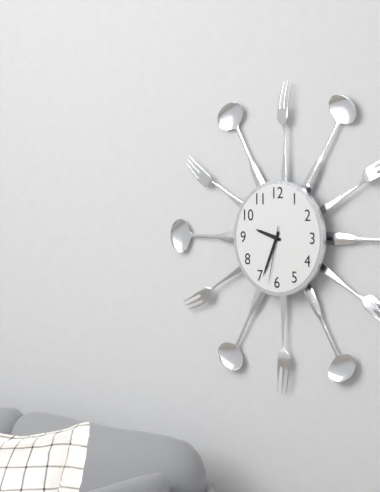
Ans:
9.34.32
